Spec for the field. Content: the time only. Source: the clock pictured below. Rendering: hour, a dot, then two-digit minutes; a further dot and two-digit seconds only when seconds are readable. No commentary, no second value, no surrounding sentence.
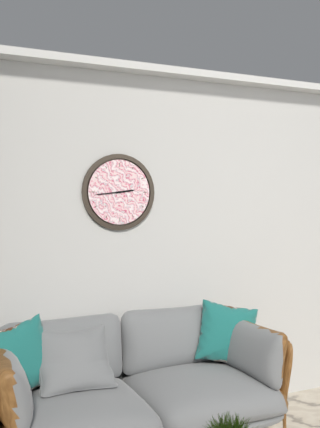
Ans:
2.44
